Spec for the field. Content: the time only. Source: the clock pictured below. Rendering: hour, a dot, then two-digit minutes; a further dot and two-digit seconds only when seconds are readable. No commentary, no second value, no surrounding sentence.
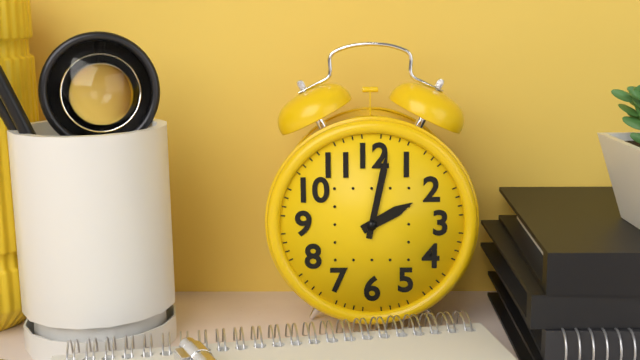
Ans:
2.02
